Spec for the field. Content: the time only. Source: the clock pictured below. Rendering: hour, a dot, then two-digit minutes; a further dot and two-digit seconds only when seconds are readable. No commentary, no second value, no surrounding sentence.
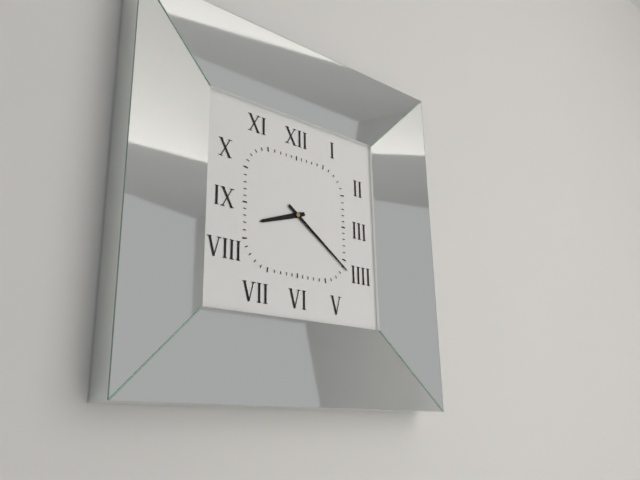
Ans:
8.21
